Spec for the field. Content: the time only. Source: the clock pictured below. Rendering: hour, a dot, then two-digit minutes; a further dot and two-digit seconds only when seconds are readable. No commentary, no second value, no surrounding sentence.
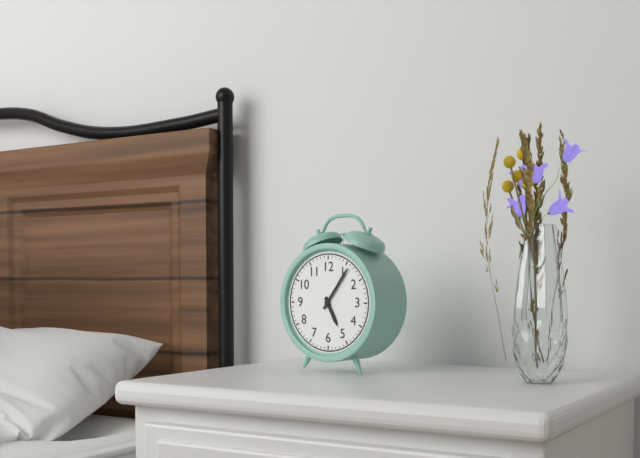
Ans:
5.06
